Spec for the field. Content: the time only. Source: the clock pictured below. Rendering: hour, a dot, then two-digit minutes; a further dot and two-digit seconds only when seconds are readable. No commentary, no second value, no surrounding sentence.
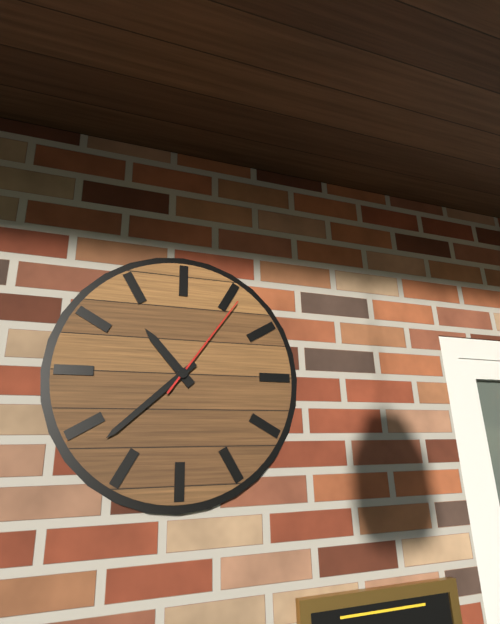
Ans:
10.38.06
